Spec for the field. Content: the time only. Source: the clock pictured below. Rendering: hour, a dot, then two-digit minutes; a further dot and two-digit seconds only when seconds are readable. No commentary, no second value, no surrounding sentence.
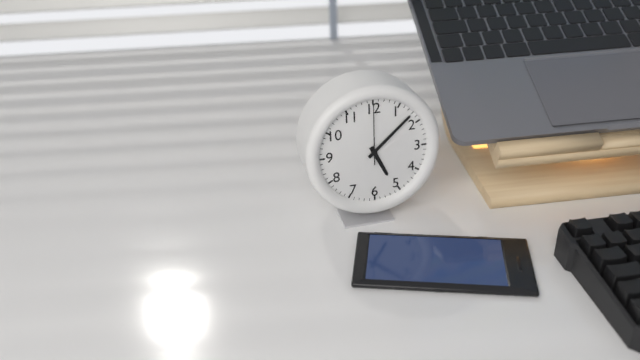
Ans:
5.08.00
